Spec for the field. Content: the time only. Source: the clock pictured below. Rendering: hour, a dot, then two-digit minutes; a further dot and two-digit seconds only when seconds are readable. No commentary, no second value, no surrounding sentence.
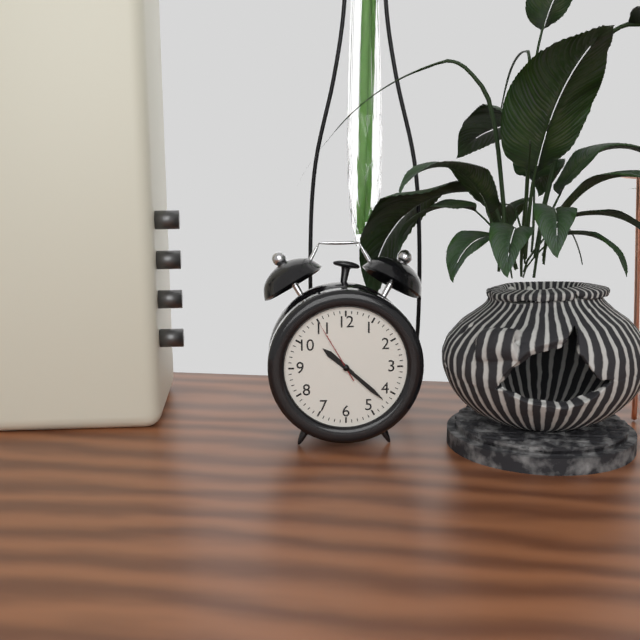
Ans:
10.22.55
